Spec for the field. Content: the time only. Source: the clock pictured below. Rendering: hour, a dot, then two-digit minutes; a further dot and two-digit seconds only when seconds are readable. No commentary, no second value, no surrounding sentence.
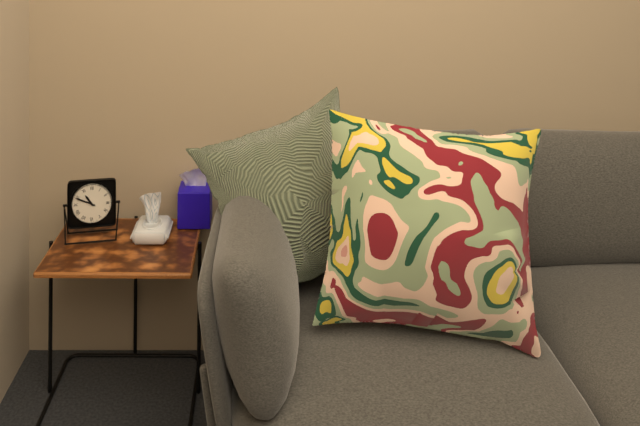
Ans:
10.49
